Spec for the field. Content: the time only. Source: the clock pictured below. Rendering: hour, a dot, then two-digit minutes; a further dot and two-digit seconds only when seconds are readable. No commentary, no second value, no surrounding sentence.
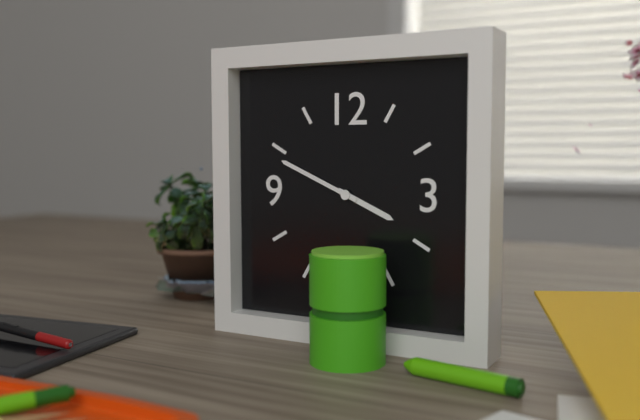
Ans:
3.49
